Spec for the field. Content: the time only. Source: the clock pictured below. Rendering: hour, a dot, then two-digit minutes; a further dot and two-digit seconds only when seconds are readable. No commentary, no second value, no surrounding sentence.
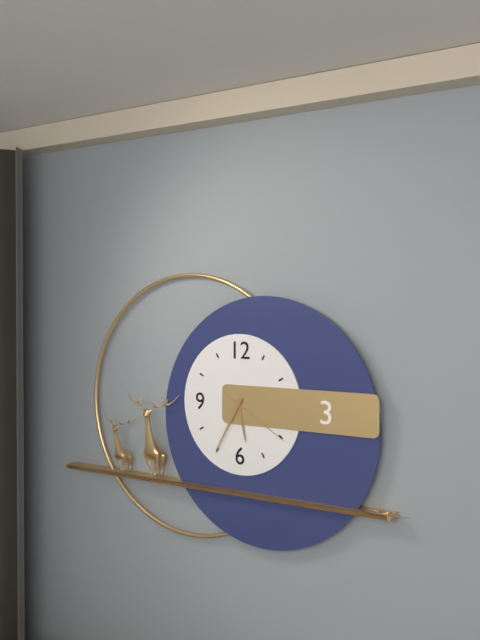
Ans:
5.35.20
